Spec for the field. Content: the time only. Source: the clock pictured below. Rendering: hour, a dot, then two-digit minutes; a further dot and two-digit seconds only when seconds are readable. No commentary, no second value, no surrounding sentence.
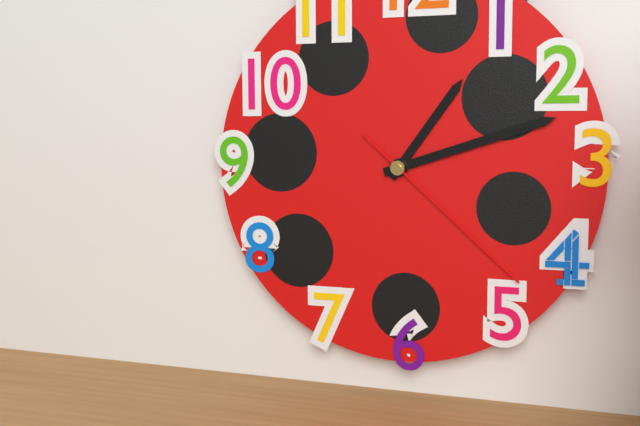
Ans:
1.12.22
